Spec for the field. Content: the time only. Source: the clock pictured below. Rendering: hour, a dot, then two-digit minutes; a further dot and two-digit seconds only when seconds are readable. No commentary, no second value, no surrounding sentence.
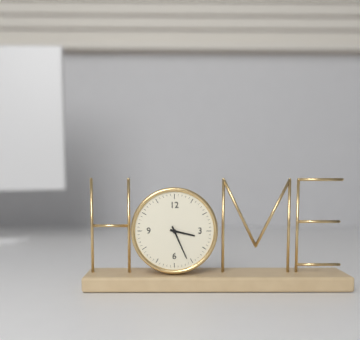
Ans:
3.26
